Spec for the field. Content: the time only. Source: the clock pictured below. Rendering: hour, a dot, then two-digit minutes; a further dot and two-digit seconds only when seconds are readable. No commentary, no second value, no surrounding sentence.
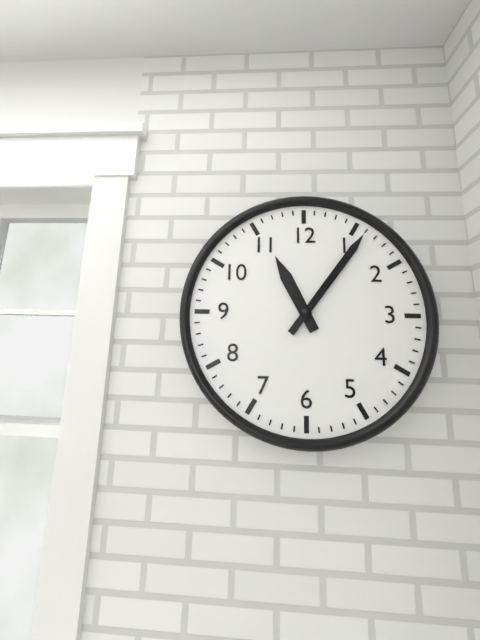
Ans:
11.06
